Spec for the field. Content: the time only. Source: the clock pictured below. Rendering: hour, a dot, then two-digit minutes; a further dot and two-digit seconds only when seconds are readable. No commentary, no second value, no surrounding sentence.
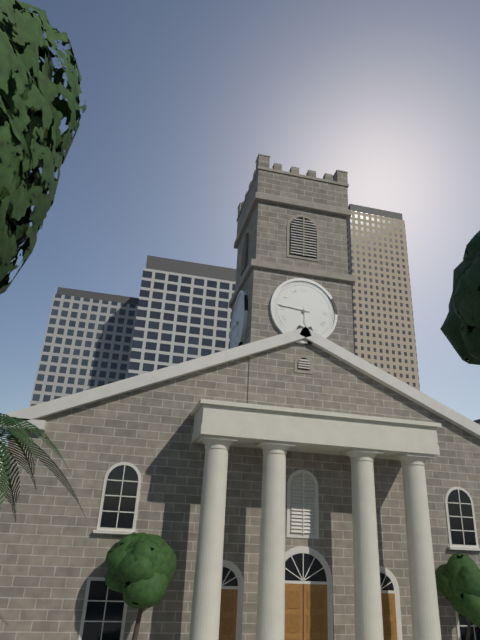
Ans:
5.46
